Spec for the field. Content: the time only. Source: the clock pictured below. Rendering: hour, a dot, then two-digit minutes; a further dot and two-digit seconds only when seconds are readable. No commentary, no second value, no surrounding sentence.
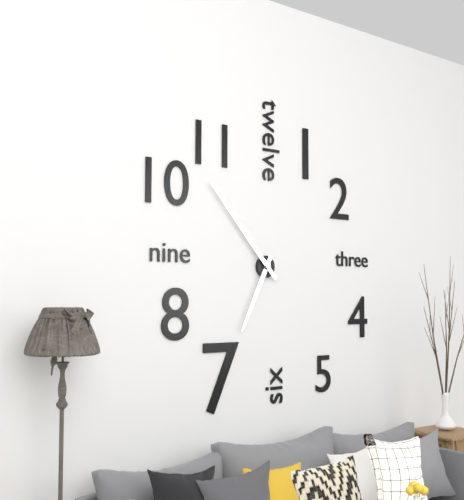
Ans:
6.53
